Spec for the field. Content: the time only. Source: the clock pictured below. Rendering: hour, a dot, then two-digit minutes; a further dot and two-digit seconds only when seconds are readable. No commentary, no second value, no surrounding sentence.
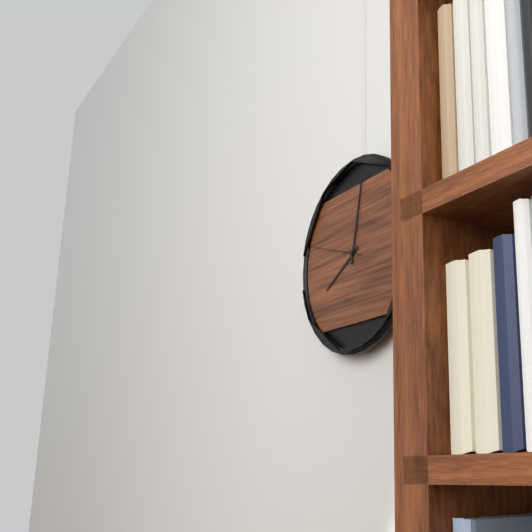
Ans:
8.02.48
